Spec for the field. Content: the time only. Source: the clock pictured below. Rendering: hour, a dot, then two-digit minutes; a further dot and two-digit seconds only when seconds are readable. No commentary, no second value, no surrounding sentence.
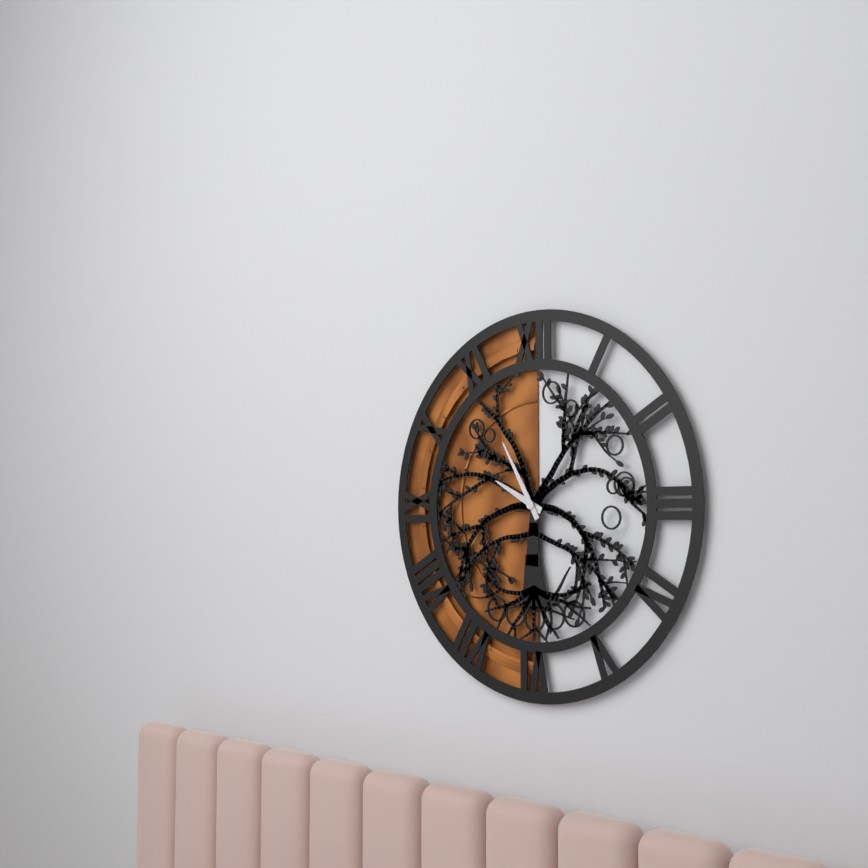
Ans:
9.55
